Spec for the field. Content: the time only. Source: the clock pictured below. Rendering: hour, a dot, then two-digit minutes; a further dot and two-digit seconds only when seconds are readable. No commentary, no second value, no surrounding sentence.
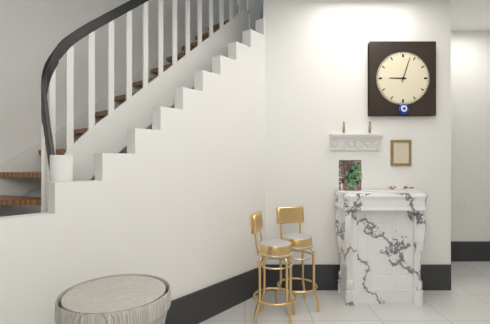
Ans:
9.03
